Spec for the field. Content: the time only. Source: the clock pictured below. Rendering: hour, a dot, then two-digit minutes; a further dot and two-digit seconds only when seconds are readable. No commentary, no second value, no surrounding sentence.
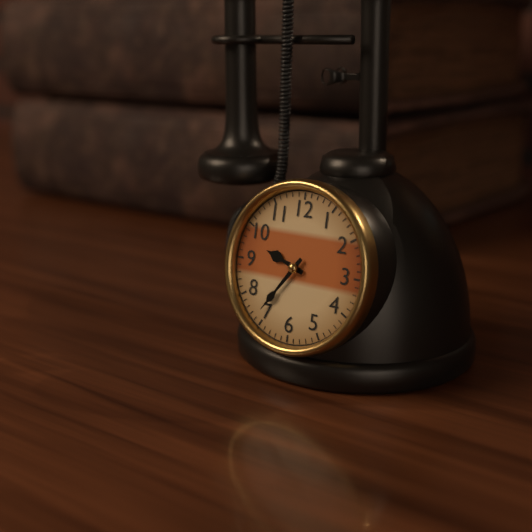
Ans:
9.36
